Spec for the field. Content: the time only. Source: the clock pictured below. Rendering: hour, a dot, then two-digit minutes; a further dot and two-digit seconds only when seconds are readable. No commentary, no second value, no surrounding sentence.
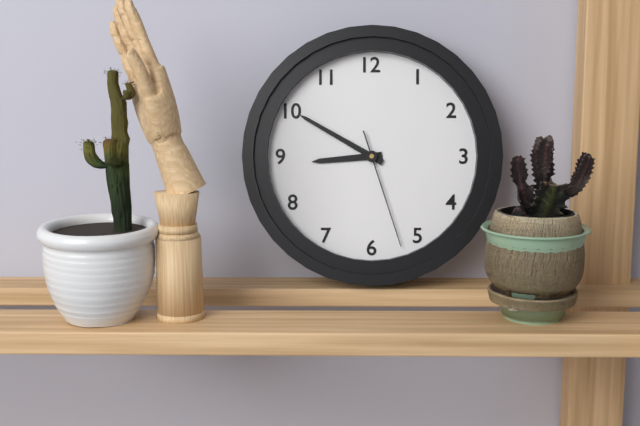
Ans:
8.50.27
